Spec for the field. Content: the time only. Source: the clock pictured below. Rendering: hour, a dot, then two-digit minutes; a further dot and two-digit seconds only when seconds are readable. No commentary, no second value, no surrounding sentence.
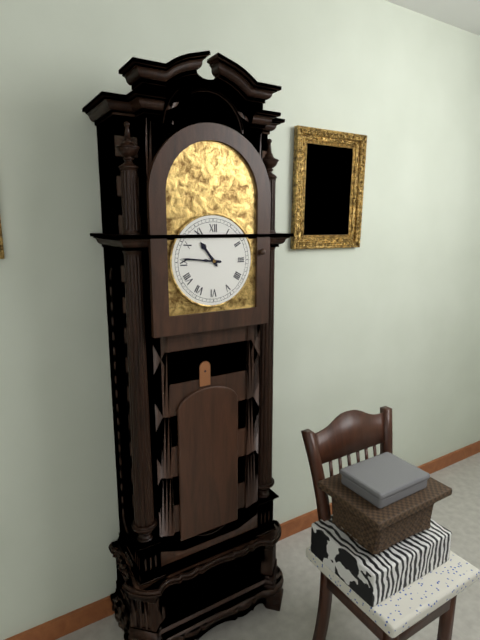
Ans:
10.46
